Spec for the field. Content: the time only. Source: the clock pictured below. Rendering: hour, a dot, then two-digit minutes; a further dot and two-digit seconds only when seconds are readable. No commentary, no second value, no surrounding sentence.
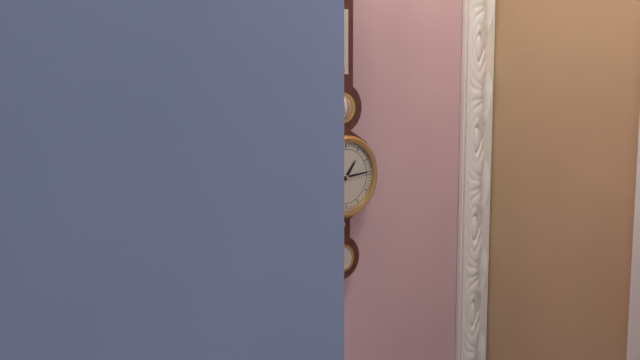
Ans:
1.14
